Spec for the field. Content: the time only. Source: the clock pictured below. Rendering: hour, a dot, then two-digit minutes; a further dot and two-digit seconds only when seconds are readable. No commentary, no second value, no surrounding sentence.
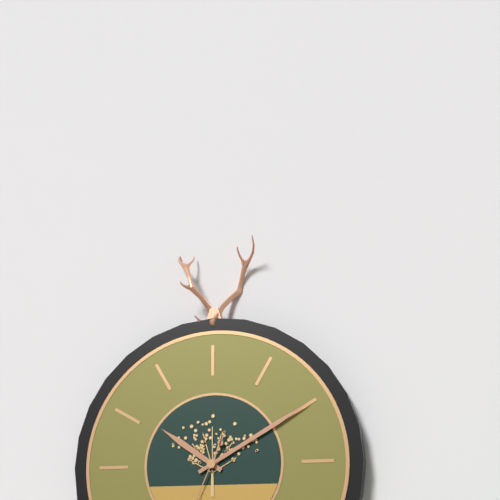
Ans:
10.10
